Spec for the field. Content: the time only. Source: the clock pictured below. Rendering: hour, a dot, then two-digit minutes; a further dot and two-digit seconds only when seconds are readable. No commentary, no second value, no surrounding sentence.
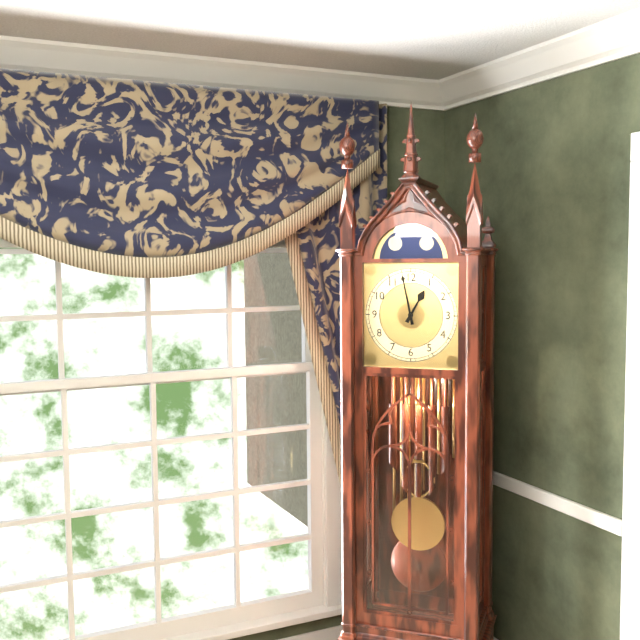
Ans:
12.58
